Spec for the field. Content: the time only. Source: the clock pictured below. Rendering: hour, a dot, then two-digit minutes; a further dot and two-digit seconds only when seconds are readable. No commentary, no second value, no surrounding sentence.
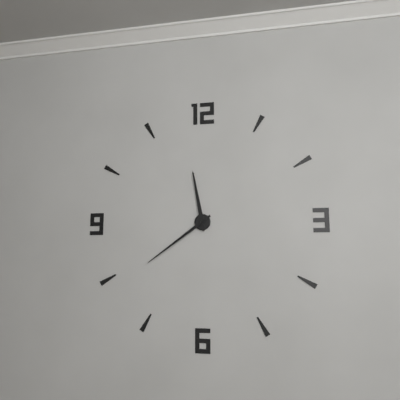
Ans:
11.39
